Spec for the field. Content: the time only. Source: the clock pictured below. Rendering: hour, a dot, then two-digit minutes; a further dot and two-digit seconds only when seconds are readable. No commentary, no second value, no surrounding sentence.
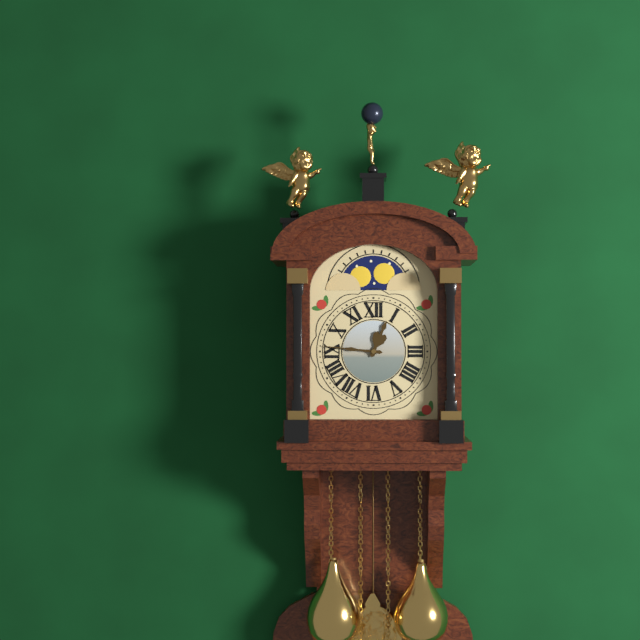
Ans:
12.46
